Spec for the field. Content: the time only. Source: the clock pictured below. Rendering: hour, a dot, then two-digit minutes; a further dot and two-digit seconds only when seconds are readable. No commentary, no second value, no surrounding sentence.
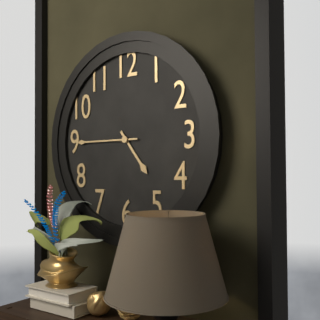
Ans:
4.45
